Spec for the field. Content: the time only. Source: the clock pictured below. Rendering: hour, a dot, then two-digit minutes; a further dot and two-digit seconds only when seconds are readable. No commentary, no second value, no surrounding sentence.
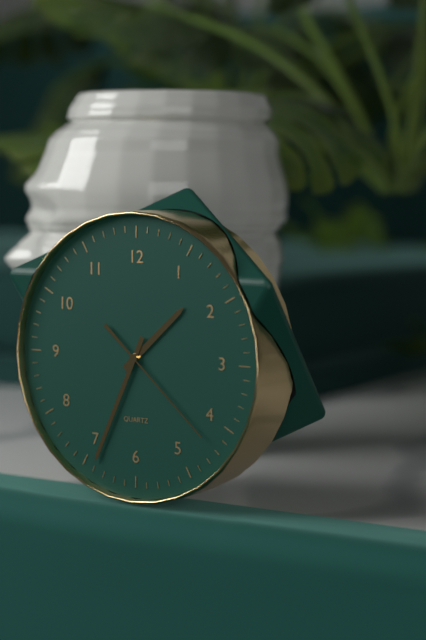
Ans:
1.34.22
